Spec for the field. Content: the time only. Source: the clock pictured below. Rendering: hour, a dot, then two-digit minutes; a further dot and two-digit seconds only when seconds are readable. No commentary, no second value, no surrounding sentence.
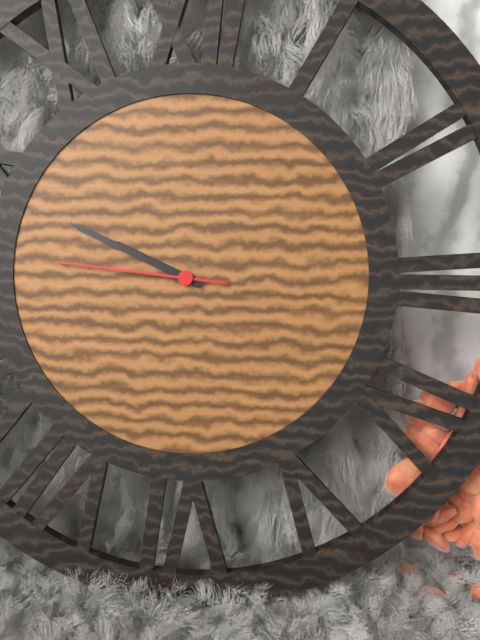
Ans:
9.49.46
